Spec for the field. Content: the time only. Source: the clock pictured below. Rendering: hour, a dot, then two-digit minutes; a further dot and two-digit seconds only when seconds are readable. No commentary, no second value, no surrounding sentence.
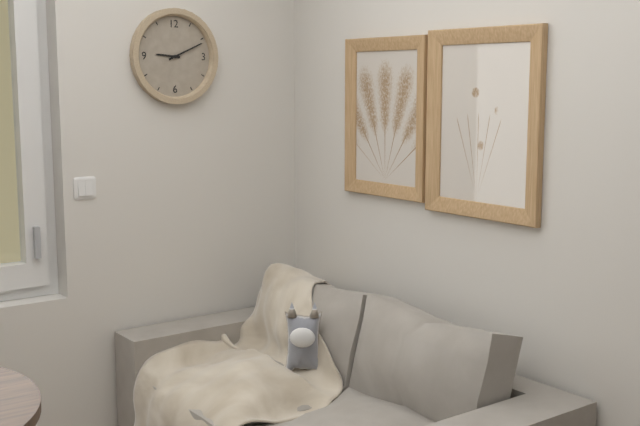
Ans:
9.11
